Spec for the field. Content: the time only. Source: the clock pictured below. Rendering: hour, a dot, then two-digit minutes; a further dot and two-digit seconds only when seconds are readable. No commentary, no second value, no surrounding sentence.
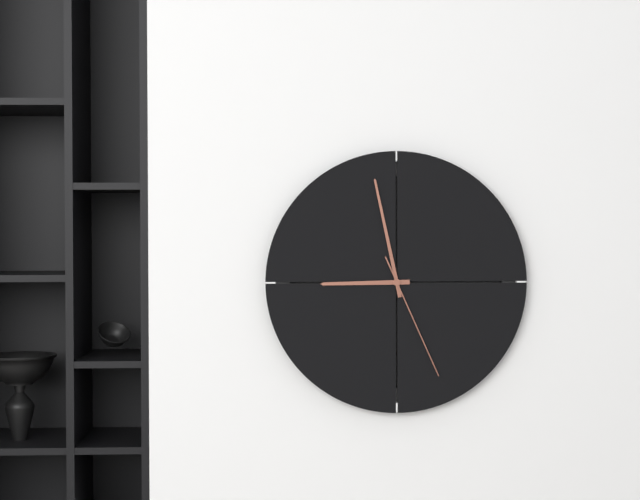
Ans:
8.58.26
